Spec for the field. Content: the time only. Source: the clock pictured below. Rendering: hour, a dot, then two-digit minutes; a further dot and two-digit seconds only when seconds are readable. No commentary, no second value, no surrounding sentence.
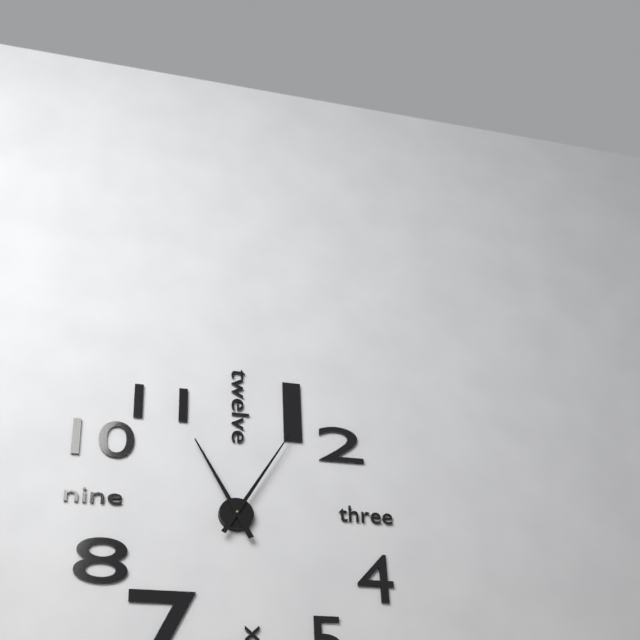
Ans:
11.05
